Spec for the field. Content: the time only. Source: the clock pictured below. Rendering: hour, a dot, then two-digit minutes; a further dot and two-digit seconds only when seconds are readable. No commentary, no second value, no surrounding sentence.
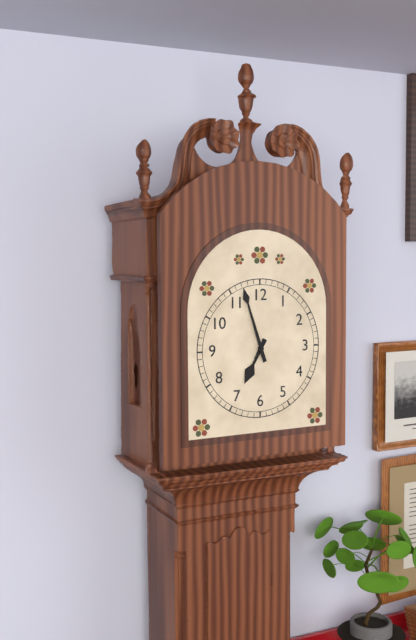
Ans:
6.57
